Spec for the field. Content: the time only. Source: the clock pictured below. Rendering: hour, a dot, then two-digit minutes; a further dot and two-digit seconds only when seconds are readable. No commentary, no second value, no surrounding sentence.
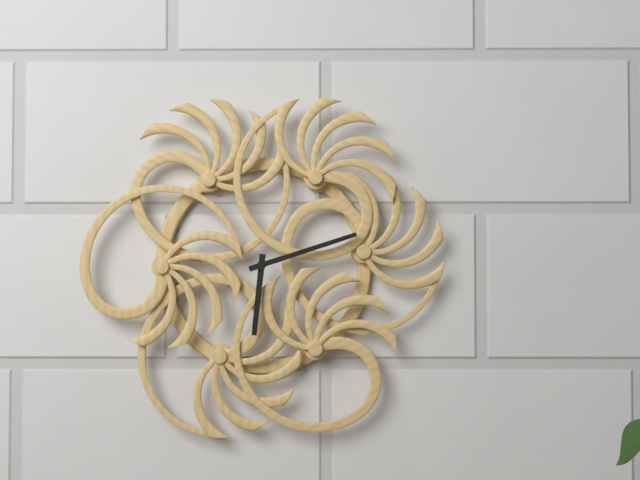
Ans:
6.12
